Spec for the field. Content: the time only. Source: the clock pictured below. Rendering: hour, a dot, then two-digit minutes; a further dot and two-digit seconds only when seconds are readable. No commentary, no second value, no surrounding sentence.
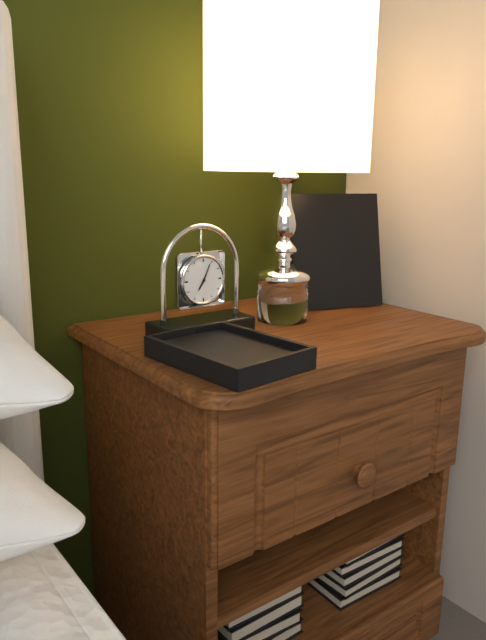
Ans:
7.04
